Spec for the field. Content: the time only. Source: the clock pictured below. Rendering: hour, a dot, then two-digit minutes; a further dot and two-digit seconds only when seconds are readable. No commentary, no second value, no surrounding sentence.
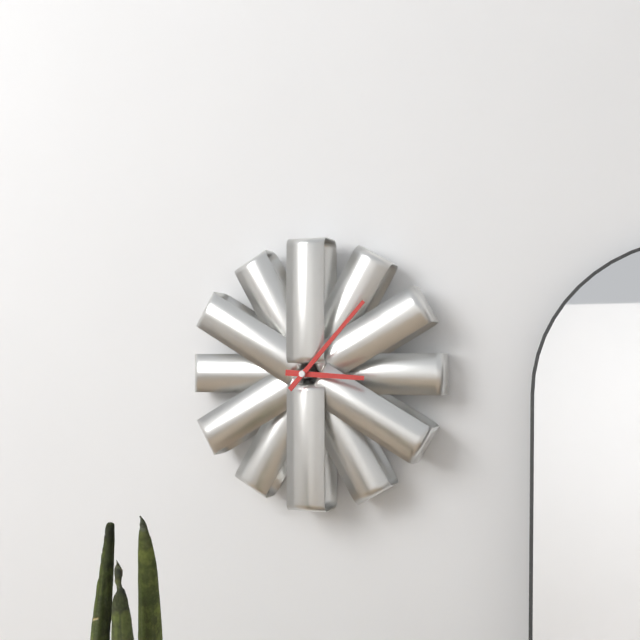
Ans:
3.07
